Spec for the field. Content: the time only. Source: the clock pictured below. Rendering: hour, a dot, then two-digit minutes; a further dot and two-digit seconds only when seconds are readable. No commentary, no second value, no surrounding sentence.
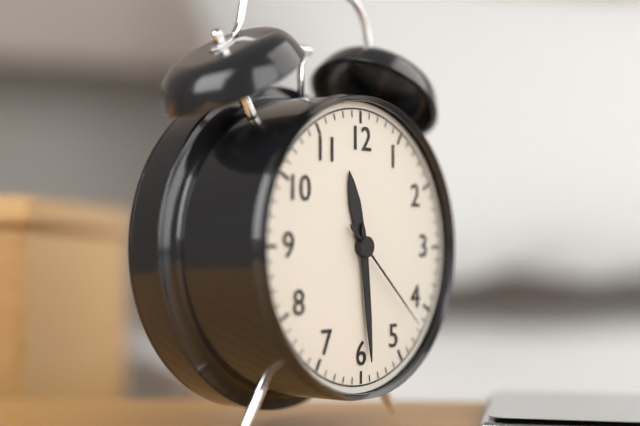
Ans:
11.29.22
